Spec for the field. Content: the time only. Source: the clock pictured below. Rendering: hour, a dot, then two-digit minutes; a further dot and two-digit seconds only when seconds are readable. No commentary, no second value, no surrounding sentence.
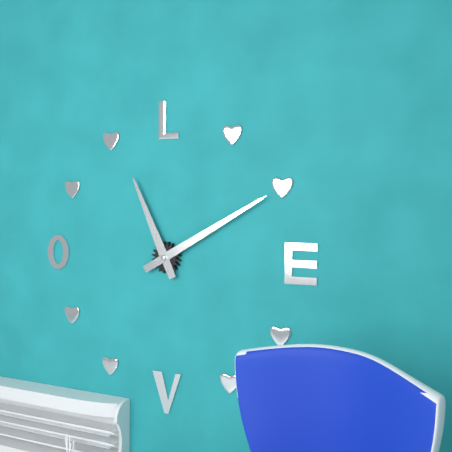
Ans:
11.10
